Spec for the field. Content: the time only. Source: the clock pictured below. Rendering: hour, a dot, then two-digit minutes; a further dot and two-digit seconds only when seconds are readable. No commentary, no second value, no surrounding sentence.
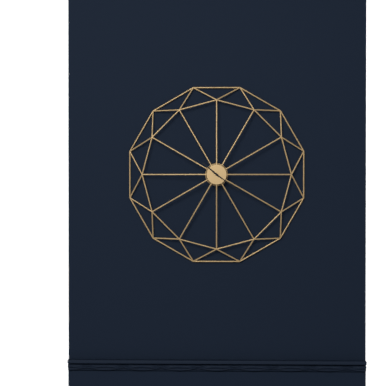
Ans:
10.21
